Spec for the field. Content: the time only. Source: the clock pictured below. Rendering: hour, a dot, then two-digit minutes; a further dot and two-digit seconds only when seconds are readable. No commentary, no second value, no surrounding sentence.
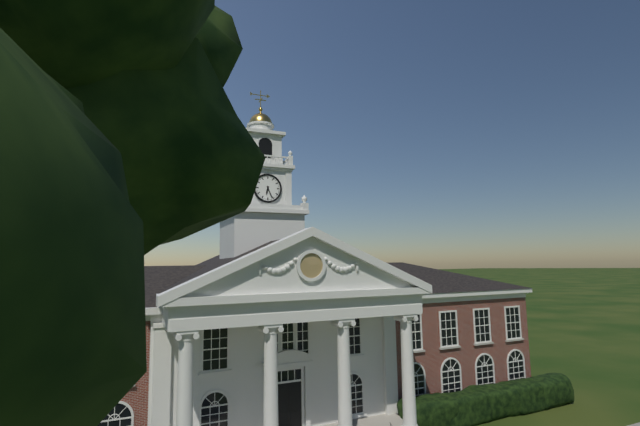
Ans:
6.26
